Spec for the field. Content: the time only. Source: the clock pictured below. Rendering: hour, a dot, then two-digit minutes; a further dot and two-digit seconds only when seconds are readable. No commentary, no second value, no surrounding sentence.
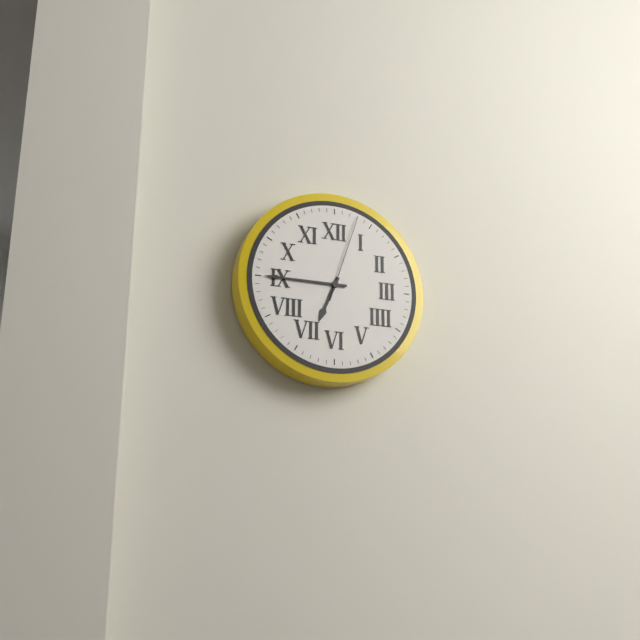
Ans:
6.45.03
